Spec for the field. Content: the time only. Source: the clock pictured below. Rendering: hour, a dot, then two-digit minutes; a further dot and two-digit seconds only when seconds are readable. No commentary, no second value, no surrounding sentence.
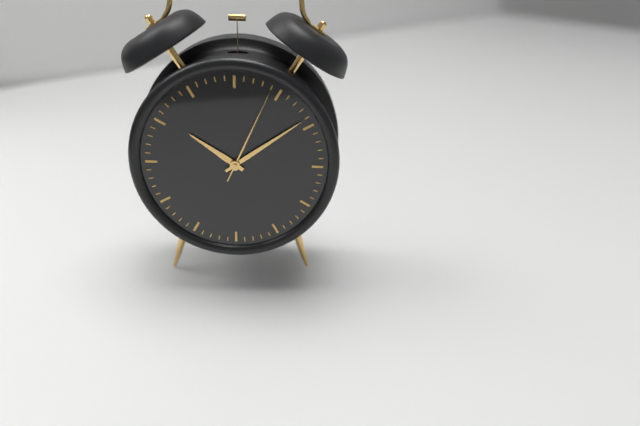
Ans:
10.09.04
